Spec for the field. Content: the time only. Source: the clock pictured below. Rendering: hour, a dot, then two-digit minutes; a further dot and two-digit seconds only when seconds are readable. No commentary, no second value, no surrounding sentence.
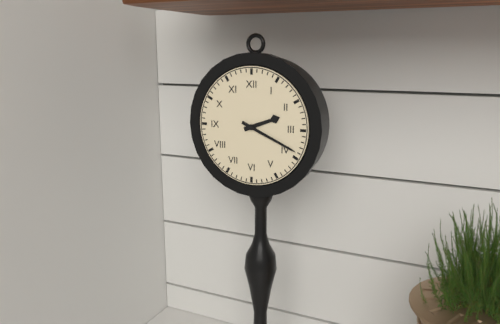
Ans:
2.19
